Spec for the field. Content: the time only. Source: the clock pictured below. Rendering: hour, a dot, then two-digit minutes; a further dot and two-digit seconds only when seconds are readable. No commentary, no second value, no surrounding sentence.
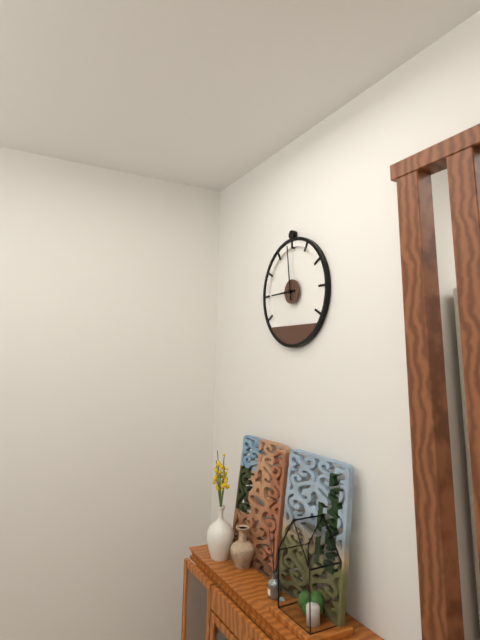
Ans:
8.59
